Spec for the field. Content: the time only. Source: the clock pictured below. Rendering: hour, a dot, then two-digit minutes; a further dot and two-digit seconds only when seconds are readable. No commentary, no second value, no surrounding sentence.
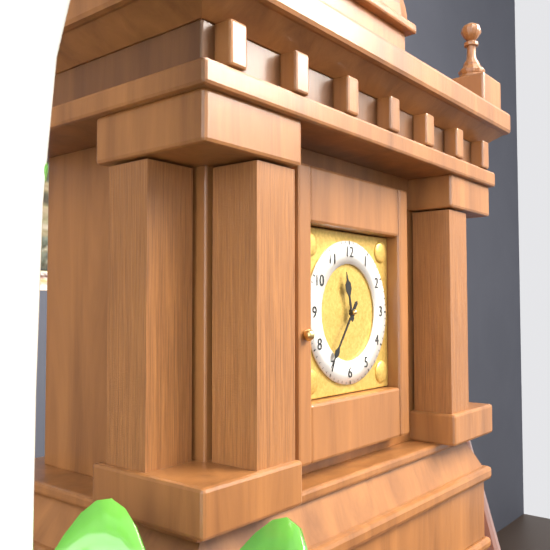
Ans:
11.36
